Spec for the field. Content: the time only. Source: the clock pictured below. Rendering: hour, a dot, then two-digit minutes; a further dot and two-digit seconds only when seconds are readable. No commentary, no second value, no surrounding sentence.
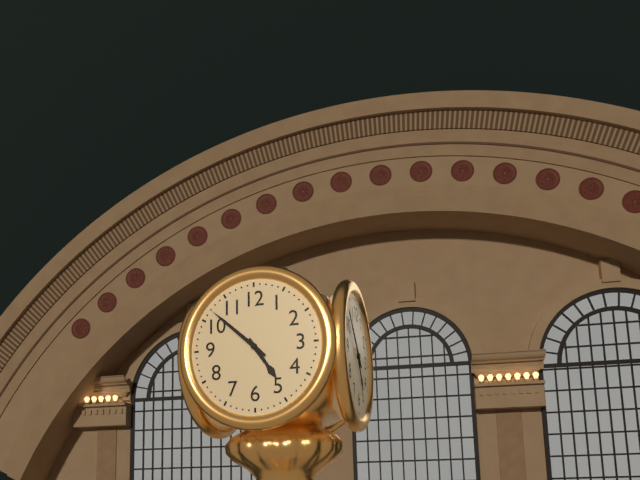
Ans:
4.52
